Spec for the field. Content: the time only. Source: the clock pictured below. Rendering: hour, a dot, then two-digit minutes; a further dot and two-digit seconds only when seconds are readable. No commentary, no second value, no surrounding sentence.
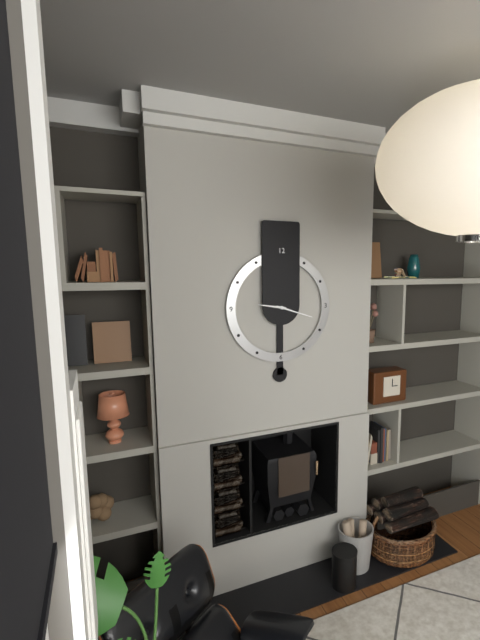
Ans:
9.18
